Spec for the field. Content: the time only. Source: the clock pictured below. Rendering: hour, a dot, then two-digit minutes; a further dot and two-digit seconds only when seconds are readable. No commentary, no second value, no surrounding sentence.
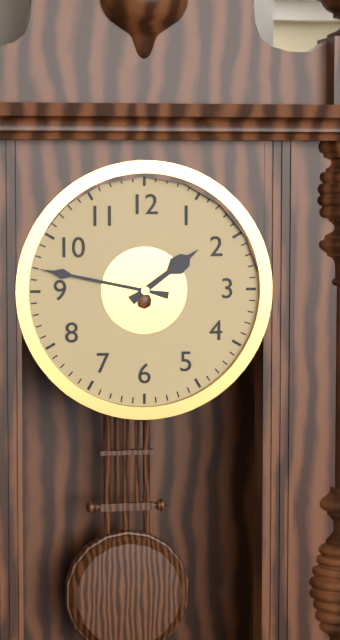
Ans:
1.47
